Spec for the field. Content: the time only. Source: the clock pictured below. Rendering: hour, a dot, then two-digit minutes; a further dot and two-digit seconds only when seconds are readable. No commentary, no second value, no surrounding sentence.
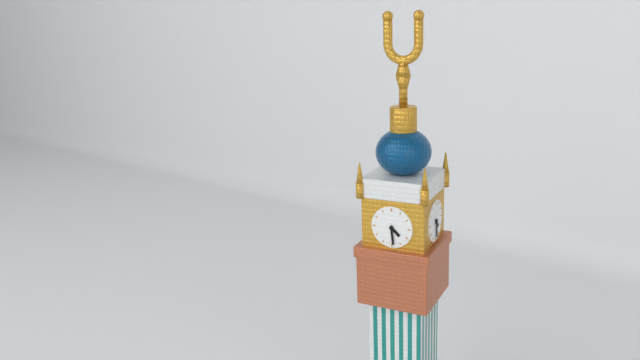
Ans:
4.29
